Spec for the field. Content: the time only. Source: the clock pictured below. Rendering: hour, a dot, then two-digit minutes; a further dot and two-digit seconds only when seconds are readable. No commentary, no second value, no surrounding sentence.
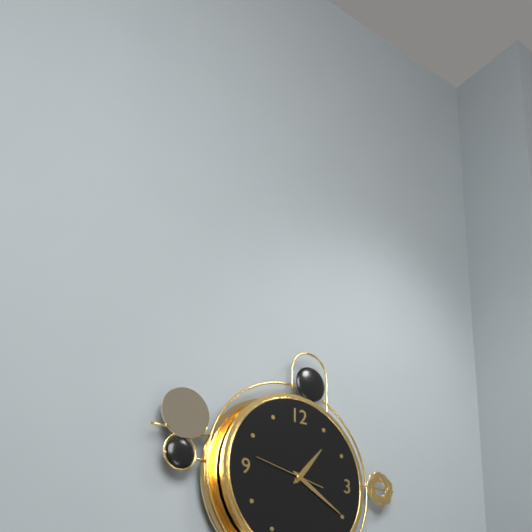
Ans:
1.20.47
